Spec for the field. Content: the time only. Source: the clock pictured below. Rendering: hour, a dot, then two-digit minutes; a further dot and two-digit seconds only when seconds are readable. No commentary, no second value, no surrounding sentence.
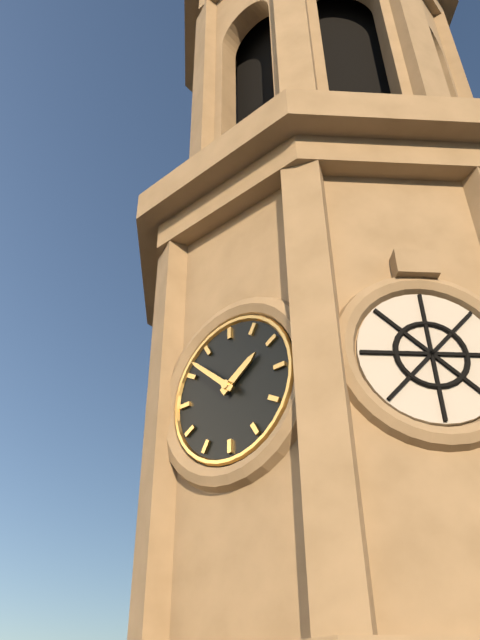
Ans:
1.52
